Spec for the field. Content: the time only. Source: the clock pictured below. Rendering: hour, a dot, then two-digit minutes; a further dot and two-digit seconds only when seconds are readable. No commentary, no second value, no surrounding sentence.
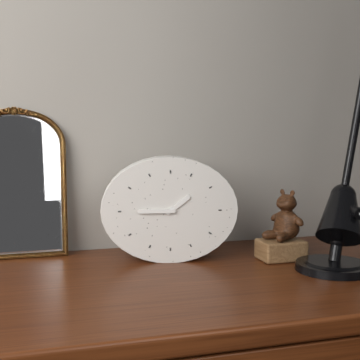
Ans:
1.45
